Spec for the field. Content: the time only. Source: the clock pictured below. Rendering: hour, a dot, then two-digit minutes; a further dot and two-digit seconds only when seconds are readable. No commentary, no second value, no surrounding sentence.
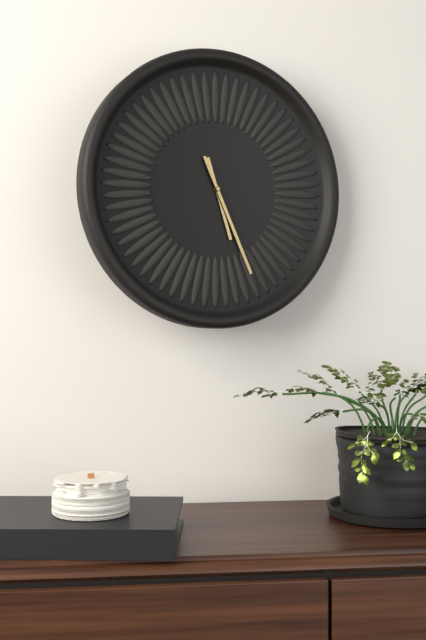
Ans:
5.26
